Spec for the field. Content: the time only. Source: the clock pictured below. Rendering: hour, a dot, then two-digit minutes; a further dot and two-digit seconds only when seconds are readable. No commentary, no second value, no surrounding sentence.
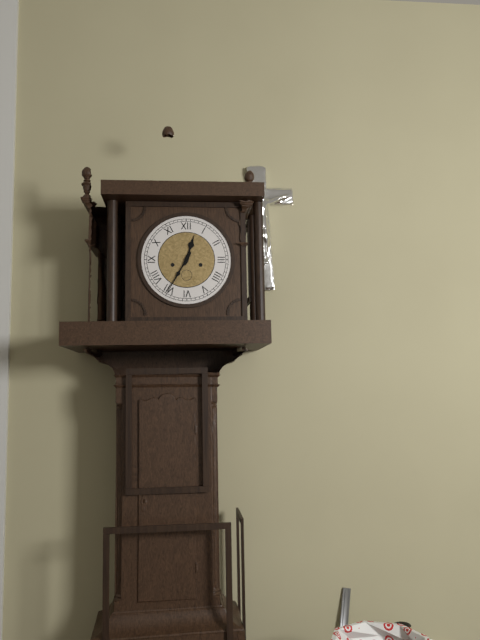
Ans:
12.35
